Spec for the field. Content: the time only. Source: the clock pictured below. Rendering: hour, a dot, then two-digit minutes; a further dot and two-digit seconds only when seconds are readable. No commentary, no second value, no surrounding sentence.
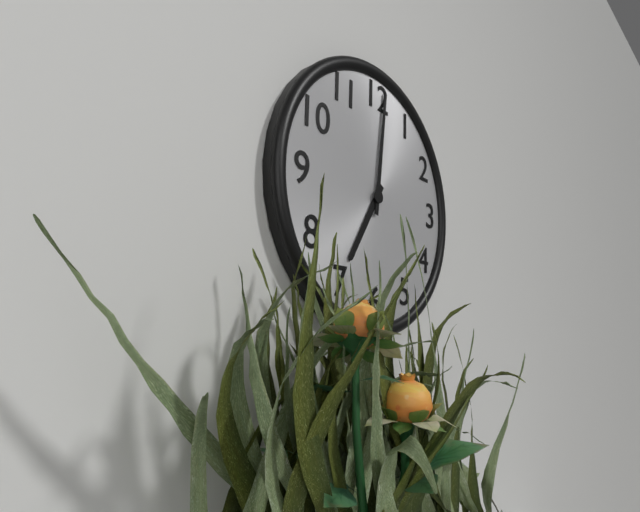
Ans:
7.01
